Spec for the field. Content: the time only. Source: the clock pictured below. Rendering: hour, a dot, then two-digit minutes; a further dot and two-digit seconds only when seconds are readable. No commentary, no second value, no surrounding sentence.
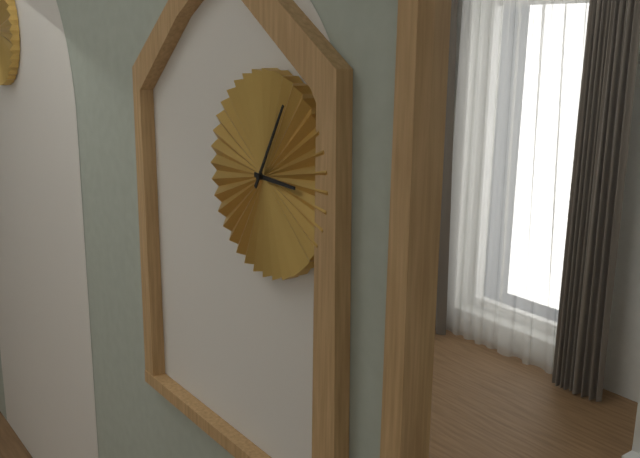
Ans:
3.05
